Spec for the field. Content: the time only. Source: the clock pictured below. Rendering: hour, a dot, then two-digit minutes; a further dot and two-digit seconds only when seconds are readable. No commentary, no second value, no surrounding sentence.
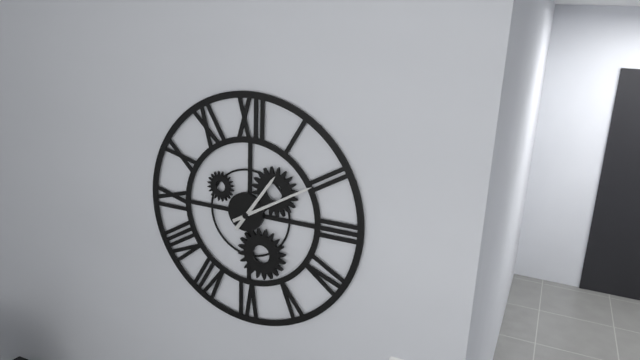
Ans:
1.10
